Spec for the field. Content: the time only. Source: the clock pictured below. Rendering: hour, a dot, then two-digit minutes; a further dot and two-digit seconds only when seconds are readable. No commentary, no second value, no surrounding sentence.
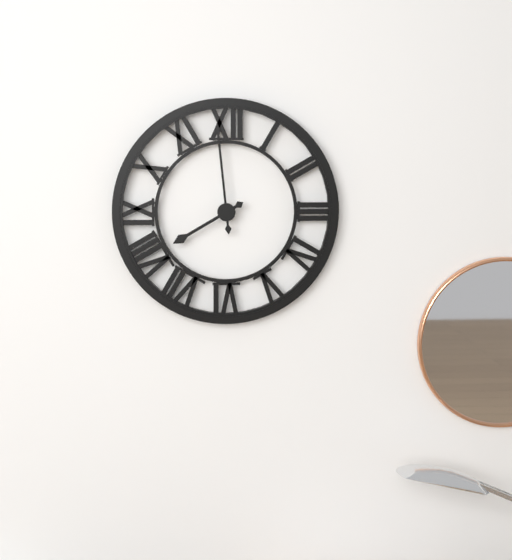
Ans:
7.59
